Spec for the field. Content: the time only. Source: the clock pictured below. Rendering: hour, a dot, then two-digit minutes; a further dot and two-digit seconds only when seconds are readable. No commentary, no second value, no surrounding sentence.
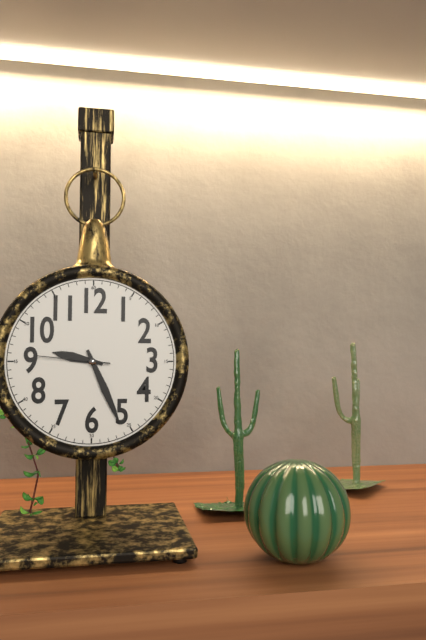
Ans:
9.26.46
